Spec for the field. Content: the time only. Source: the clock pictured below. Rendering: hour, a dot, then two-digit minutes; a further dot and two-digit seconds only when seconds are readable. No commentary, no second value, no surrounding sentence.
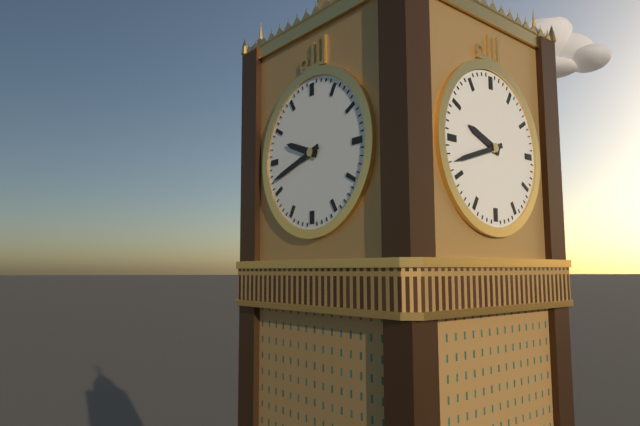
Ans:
9.42
